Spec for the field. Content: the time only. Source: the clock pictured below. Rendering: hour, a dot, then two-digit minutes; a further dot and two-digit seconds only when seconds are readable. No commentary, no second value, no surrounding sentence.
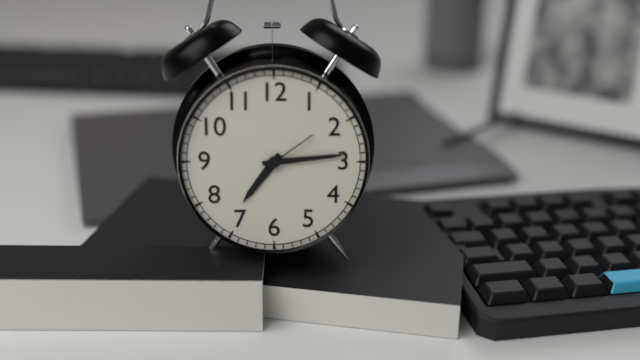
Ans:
7.14.09
